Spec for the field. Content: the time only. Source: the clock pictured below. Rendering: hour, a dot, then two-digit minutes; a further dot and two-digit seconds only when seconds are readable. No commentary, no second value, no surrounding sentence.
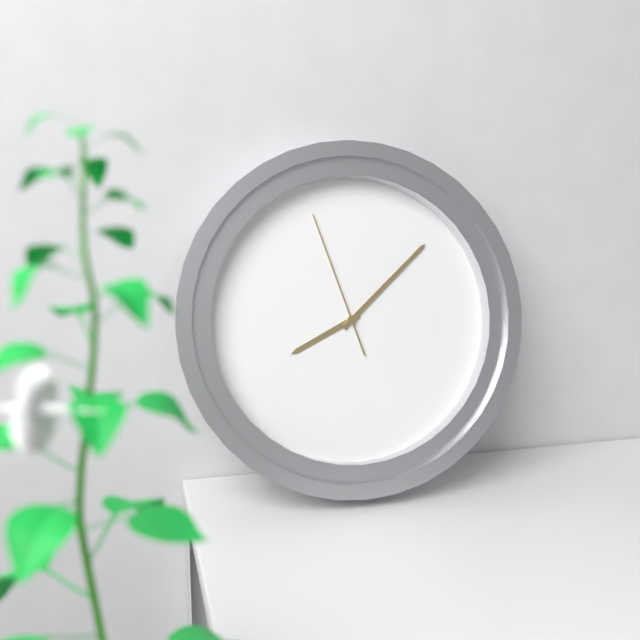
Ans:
8.08.57
